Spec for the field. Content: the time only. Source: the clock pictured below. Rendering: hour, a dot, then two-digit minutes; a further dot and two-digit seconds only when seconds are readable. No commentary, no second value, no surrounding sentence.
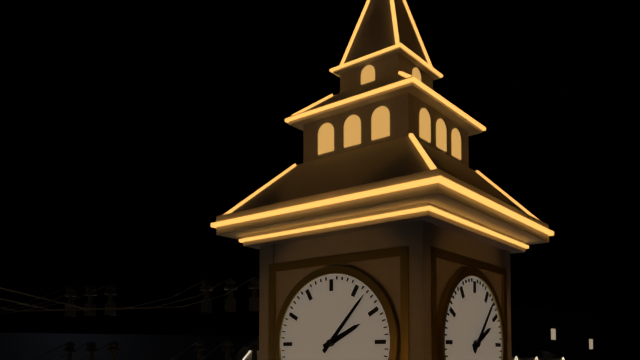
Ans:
2.07
